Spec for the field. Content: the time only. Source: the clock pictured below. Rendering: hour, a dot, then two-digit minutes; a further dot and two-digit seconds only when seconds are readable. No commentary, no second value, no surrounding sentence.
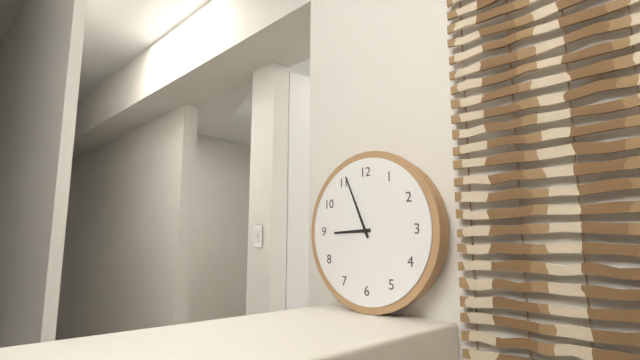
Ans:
8.56
